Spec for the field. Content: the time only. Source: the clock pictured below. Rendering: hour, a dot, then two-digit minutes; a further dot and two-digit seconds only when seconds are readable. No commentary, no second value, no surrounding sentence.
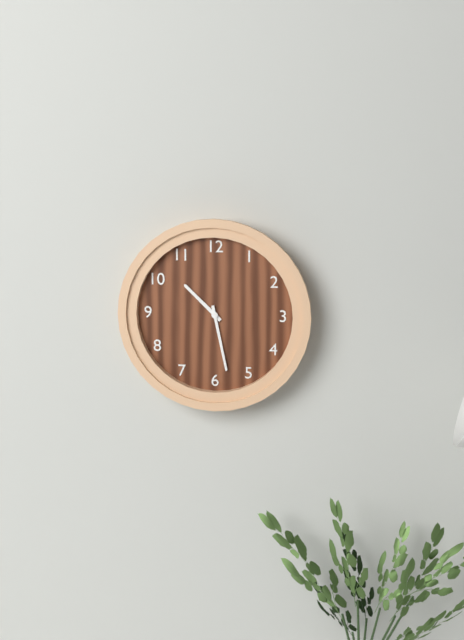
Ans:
10.28
